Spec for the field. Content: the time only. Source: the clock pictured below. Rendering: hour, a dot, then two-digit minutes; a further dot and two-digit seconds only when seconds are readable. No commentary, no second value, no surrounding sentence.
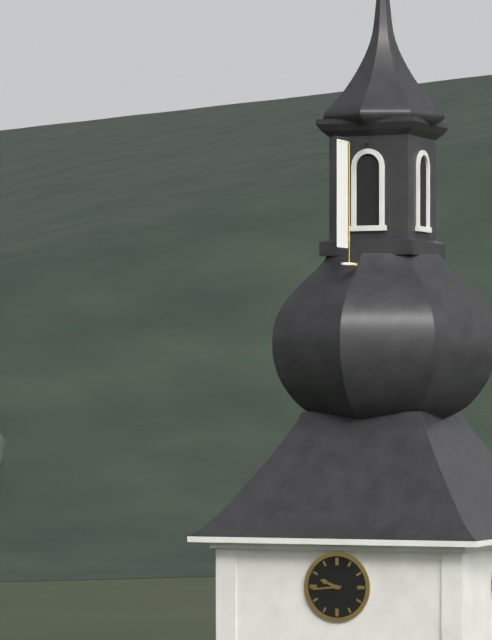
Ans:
9.44
